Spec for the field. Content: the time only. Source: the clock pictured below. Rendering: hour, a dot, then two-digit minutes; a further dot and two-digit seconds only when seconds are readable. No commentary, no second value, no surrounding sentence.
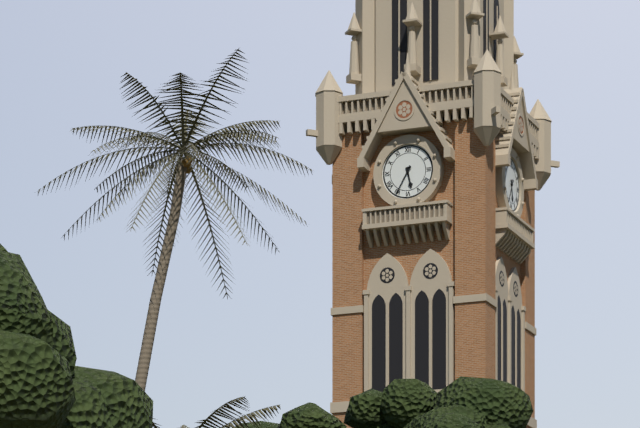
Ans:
5.35
